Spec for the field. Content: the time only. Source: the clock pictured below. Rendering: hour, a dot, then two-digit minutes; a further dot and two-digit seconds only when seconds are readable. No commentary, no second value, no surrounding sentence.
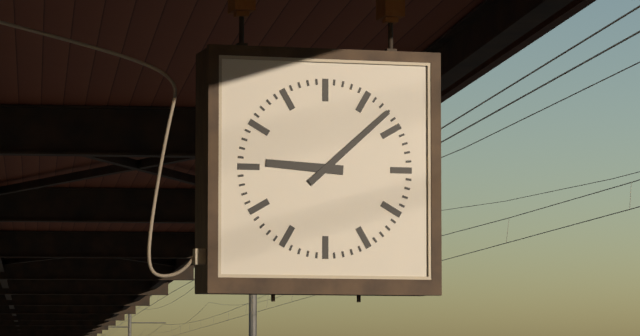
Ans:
9.08
